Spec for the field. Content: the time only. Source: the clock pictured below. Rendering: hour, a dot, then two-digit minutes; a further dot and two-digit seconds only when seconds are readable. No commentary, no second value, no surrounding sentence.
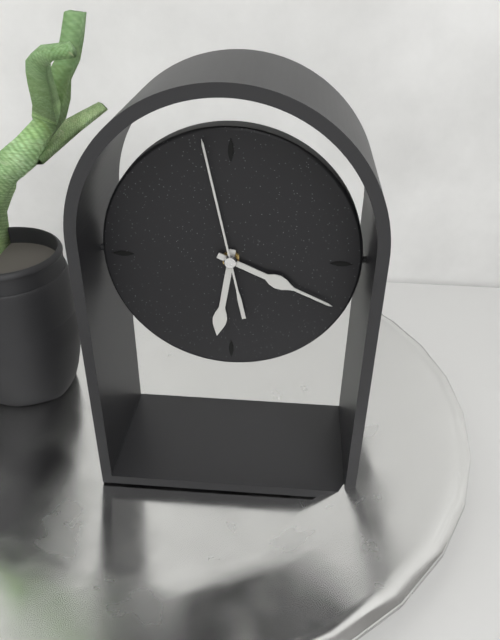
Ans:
6.19.58
